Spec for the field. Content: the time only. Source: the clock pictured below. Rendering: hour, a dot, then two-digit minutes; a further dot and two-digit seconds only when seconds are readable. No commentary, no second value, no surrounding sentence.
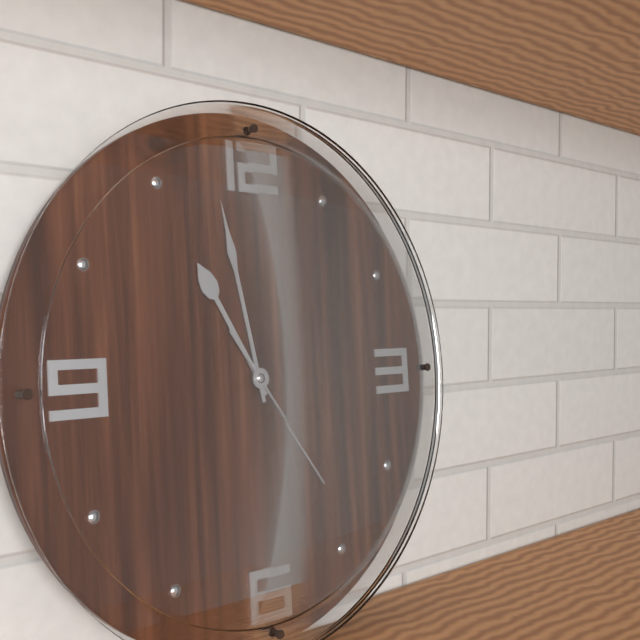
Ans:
10.58.24
